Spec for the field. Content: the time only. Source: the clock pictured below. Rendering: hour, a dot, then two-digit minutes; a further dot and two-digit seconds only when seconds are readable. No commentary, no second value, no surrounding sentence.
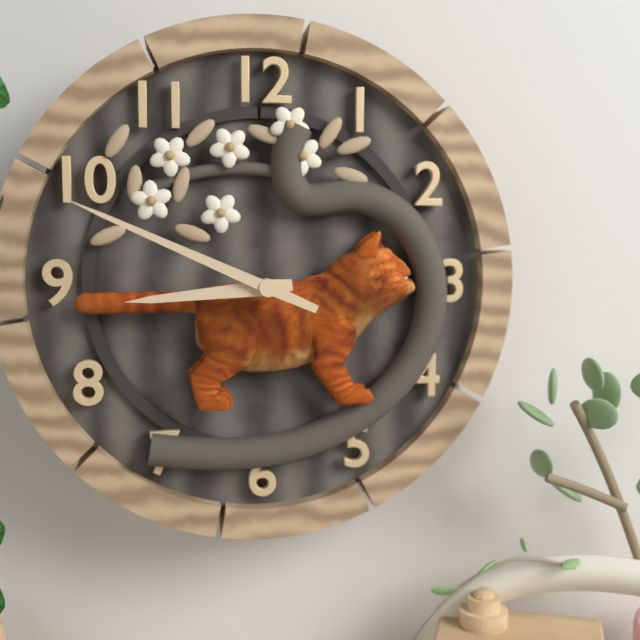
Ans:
8.49
